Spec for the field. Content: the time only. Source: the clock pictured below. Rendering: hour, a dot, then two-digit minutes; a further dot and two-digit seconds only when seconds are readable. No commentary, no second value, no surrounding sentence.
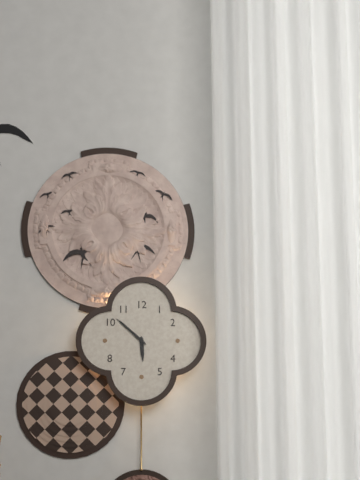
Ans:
5.52
